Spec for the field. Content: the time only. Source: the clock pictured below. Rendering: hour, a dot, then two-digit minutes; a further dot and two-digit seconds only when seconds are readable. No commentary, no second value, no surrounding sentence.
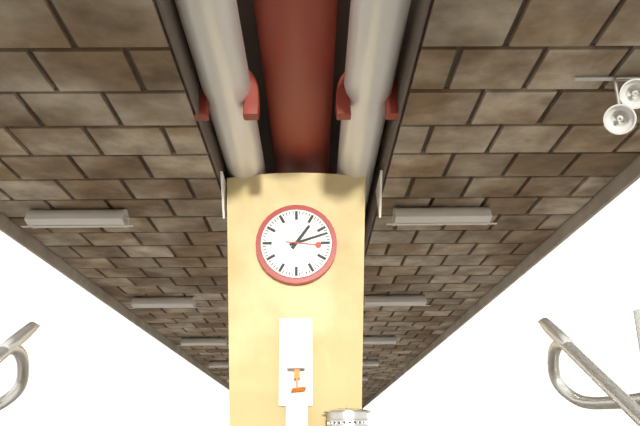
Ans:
1.12
